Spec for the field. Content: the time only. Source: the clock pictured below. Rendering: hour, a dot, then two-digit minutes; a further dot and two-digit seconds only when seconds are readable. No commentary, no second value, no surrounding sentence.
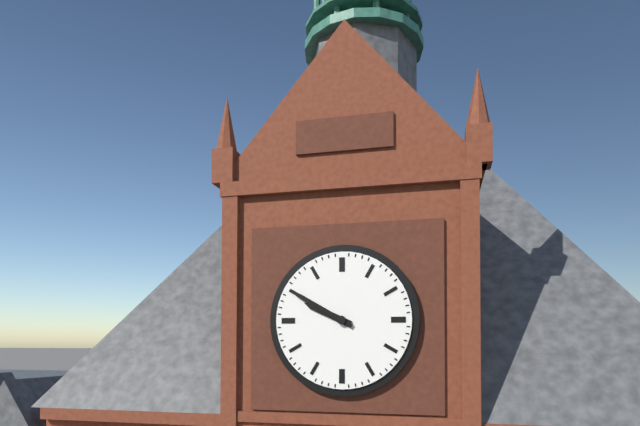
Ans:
9.50
